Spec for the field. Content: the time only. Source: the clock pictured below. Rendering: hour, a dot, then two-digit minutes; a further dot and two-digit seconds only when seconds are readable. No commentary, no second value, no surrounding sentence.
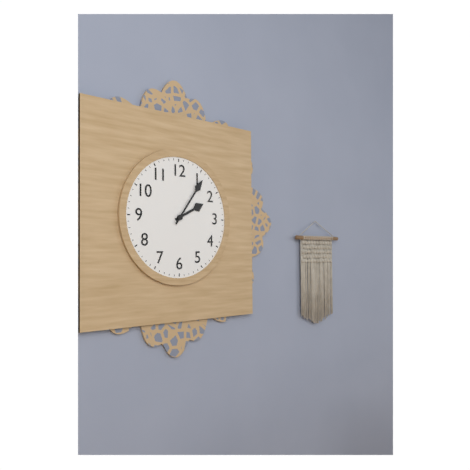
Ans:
2.06
